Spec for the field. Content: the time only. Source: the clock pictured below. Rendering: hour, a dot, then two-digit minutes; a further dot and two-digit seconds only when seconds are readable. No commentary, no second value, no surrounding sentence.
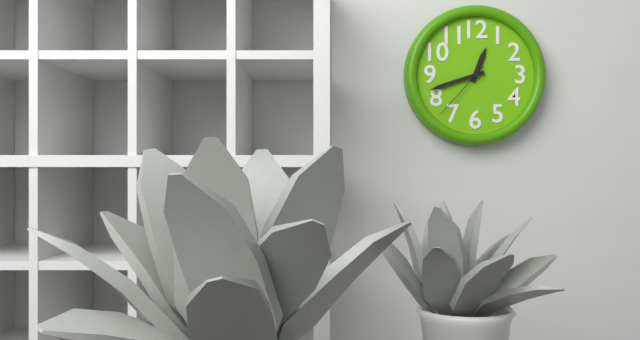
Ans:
12.42.37
